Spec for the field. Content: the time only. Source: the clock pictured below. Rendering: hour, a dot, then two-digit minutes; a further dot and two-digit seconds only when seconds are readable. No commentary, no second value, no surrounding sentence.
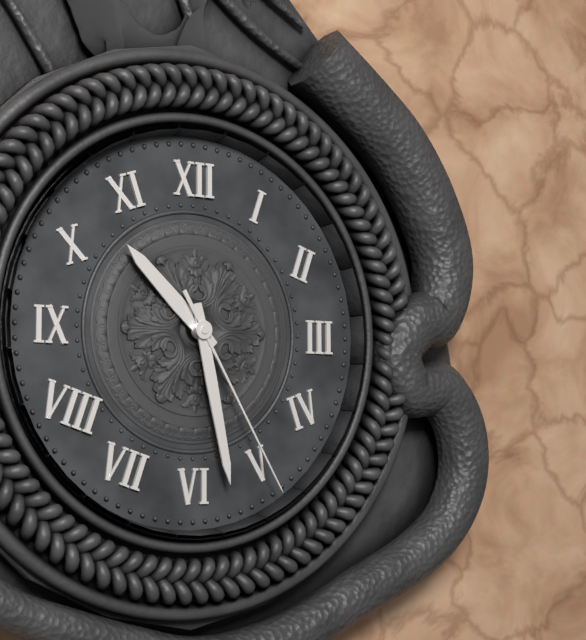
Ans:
10.28.25
